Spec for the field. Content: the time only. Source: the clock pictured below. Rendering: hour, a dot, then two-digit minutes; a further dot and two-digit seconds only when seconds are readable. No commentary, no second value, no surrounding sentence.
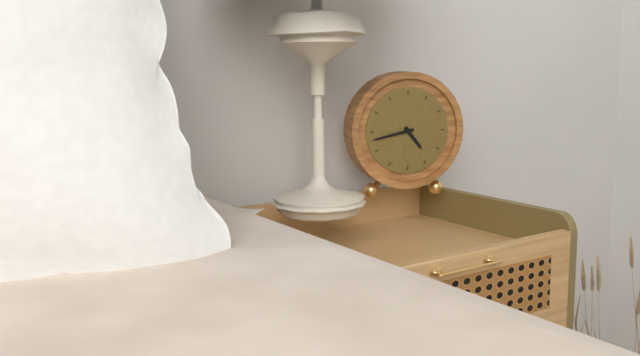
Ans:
4.43
